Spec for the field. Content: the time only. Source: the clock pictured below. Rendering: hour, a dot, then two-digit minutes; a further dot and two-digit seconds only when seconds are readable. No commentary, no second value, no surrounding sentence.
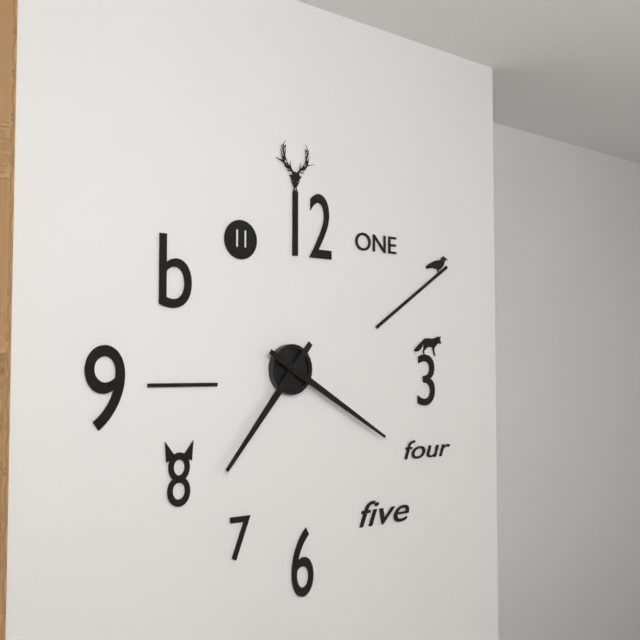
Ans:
7.20
